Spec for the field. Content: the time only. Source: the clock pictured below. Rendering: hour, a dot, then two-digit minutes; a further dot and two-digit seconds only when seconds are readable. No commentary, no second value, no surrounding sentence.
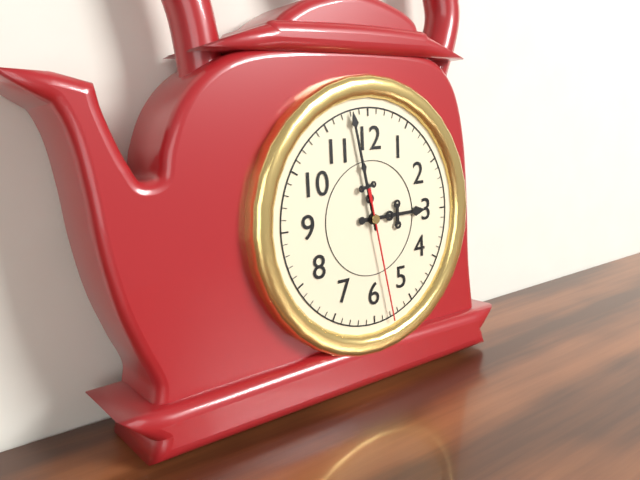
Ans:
2.58.28
